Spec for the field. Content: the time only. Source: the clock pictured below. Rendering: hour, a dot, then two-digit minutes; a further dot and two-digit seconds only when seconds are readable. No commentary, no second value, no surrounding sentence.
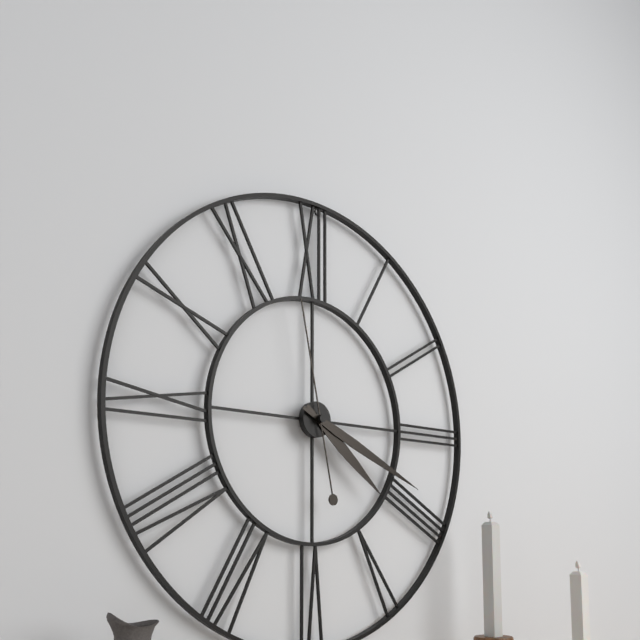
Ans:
4.19.58
